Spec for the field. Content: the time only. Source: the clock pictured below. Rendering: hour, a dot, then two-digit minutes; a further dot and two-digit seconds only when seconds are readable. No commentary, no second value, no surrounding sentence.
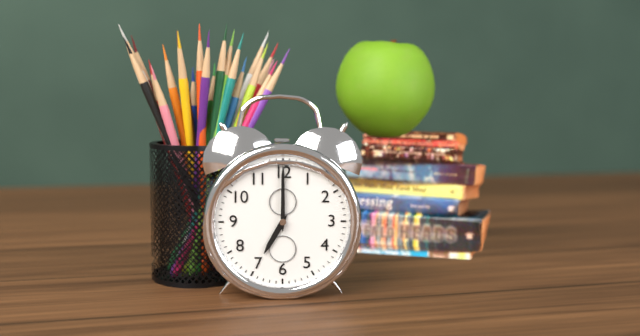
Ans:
7.00
